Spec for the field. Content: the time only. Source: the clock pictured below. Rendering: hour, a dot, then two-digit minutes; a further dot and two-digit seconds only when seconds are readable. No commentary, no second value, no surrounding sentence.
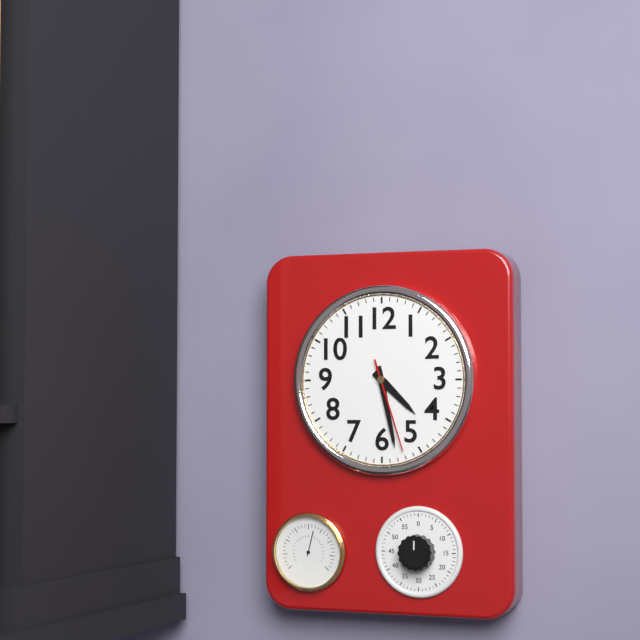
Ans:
4.28.27
